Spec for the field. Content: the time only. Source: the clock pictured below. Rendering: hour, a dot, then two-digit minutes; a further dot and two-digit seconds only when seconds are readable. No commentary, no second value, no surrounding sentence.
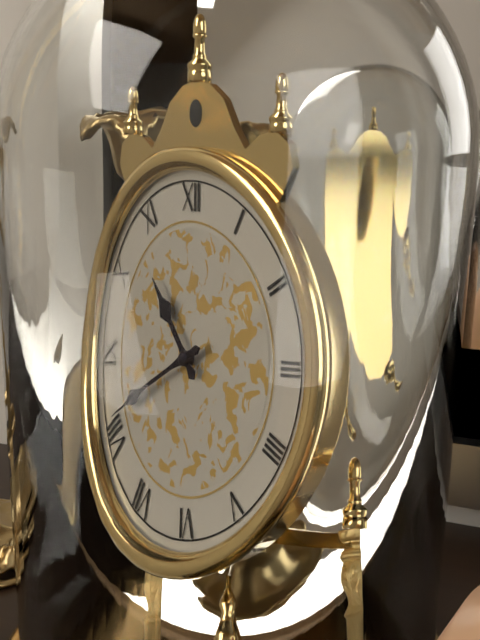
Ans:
10.41
